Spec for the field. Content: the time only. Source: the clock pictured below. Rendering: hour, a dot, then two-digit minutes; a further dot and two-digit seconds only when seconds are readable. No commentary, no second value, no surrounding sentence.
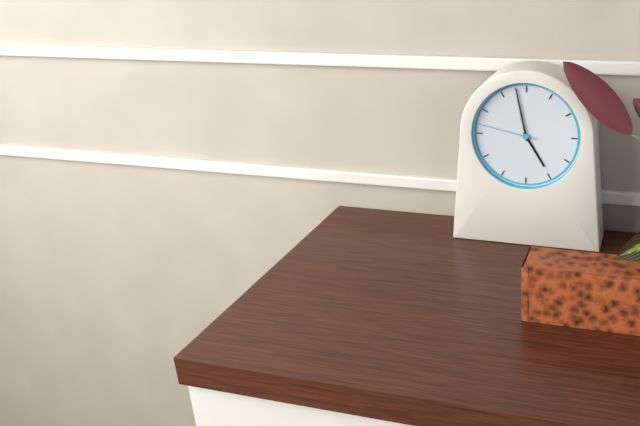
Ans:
4.58.47
